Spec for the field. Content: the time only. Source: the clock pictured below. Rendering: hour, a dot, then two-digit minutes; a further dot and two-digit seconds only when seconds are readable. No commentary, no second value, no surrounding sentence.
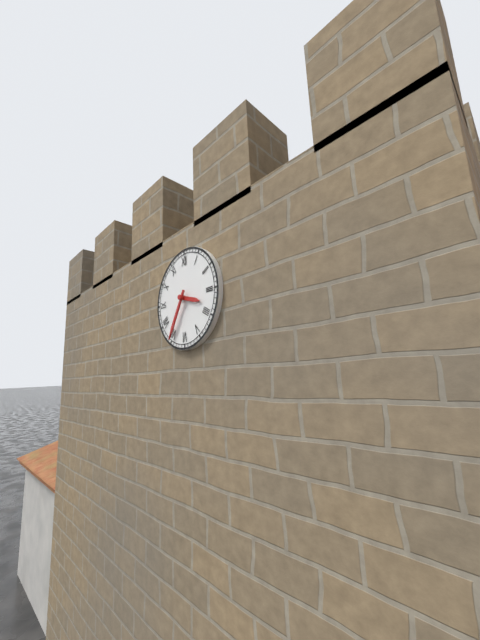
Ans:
3.35
